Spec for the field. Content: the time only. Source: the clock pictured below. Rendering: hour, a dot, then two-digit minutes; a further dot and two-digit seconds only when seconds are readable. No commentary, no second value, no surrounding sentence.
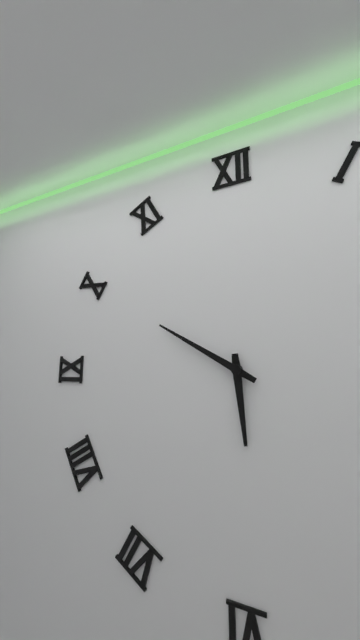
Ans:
5.50
